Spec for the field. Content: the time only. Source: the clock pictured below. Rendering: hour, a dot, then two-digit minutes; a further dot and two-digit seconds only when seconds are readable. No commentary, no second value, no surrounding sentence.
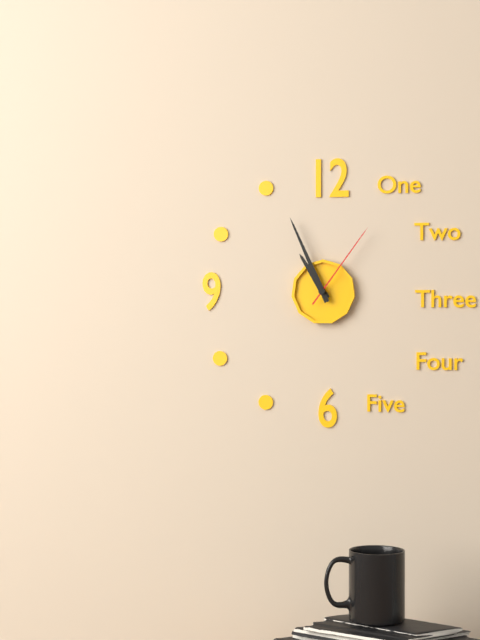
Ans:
10.56.06
